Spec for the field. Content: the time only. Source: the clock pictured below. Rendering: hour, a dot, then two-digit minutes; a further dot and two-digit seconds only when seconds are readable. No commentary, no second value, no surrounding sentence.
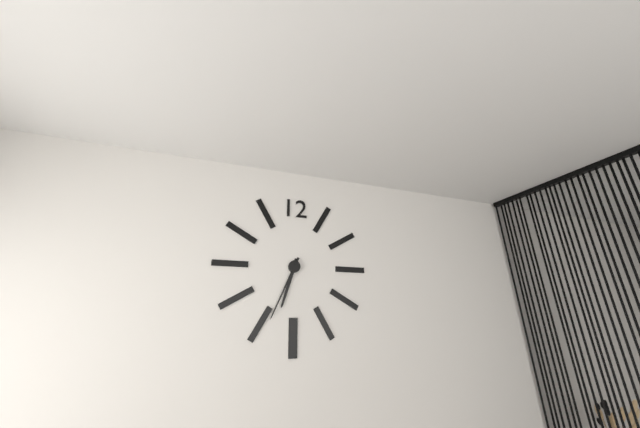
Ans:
6.34
